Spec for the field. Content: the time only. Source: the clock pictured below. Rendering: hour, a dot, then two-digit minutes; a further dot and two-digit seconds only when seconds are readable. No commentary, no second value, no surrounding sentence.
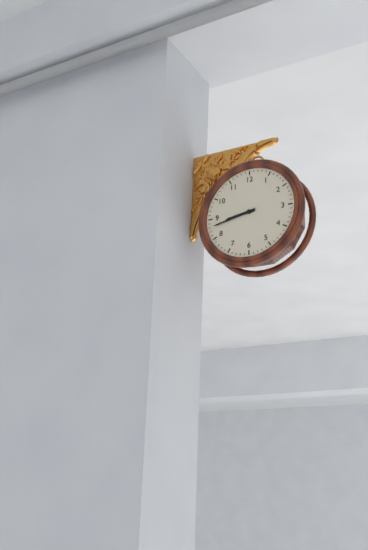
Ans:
8.43
